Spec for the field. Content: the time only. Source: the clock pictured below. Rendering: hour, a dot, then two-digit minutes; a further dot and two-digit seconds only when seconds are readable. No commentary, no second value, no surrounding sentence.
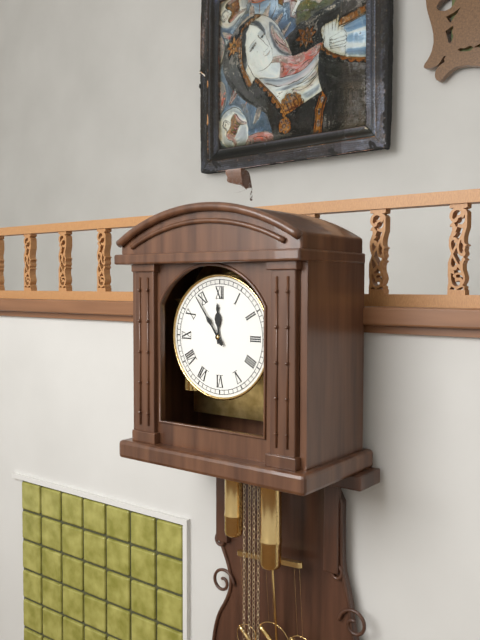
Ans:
11.54
